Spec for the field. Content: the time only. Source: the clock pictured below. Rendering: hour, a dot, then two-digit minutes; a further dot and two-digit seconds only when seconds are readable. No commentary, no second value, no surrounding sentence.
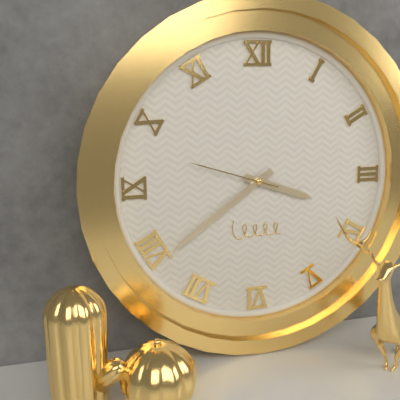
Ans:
3.39.48
